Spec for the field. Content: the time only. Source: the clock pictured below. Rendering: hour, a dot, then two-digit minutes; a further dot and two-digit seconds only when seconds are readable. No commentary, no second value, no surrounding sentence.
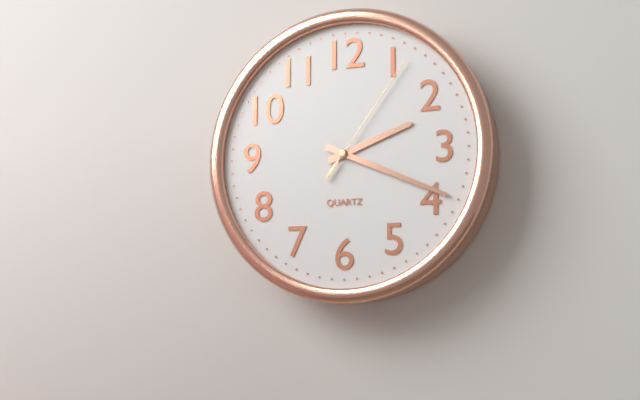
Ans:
2.19.06
